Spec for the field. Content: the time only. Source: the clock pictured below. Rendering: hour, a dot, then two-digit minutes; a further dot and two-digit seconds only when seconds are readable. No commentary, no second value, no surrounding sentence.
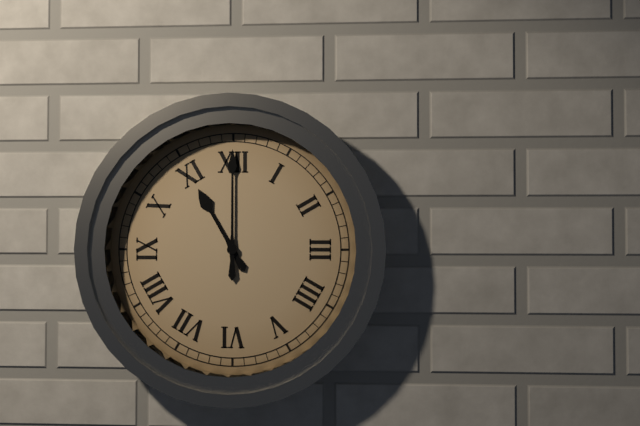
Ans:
11.00
